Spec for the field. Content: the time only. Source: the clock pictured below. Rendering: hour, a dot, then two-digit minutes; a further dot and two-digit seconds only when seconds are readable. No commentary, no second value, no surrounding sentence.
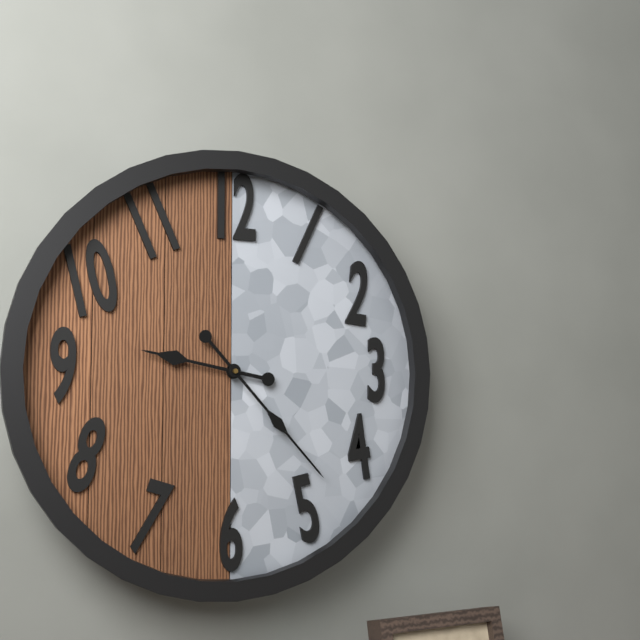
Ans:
9.23
